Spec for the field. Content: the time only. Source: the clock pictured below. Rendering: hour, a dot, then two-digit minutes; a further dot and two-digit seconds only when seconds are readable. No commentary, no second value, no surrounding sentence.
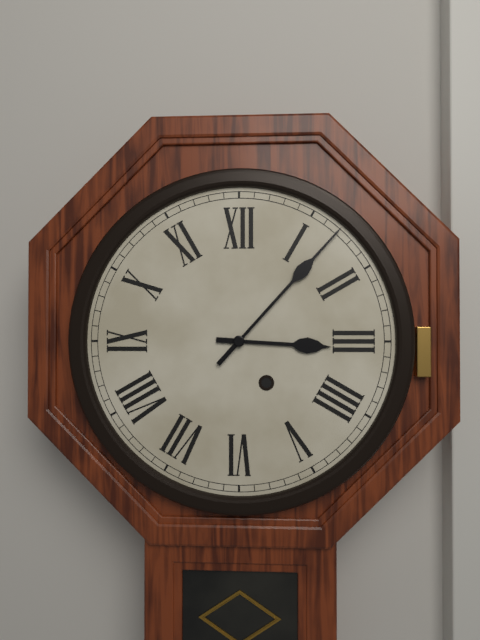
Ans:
3.07
